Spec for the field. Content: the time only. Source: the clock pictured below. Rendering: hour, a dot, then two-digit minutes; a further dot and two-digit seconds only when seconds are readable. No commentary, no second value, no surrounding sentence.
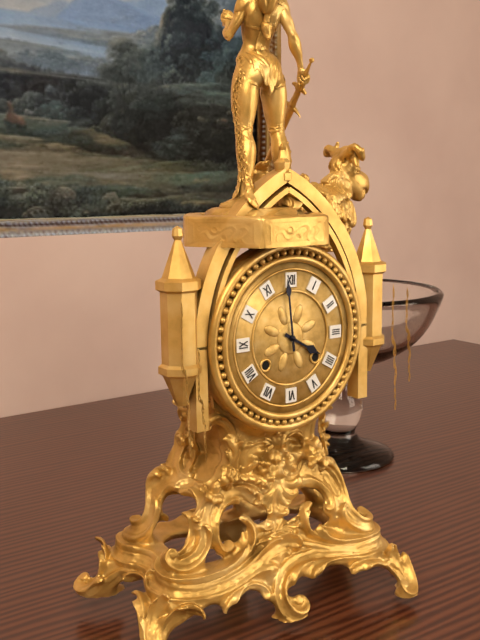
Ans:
3.59
